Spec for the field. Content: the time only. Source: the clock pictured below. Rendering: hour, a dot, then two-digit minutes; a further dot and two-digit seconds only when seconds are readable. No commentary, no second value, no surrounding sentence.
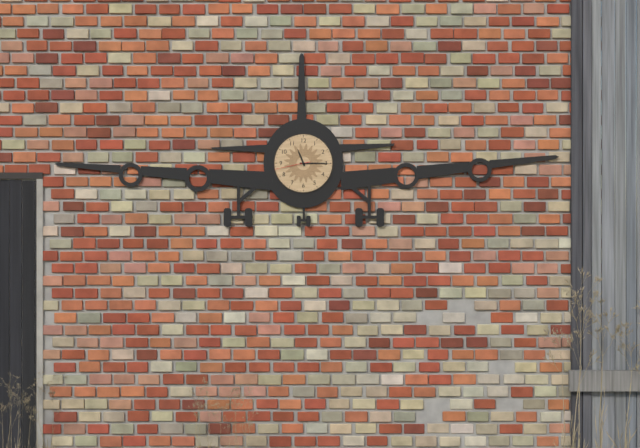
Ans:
11.15
